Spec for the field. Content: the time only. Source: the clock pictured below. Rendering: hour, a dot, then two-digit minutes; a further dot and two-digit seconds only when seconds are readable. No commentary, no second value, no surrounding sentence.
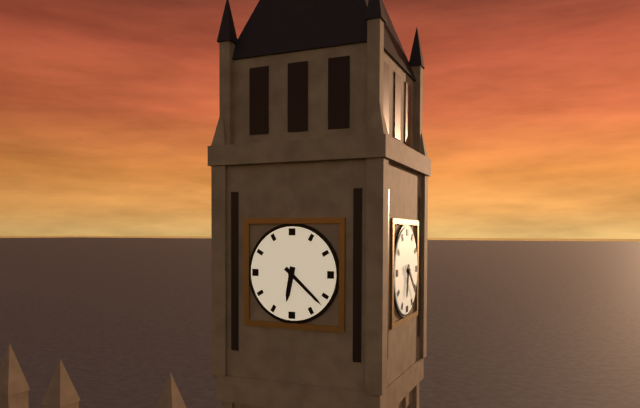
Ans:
6.22
